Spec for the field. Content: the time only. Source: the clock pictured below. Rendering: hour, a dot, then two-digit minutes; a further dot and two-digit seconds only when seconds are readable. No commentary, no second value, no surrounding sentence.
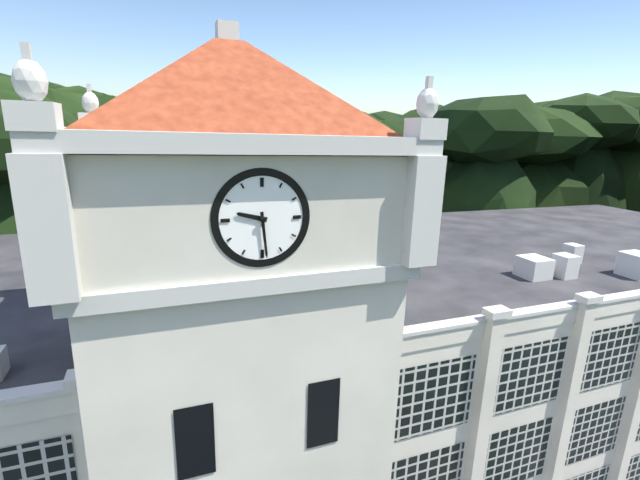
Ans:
9.29
